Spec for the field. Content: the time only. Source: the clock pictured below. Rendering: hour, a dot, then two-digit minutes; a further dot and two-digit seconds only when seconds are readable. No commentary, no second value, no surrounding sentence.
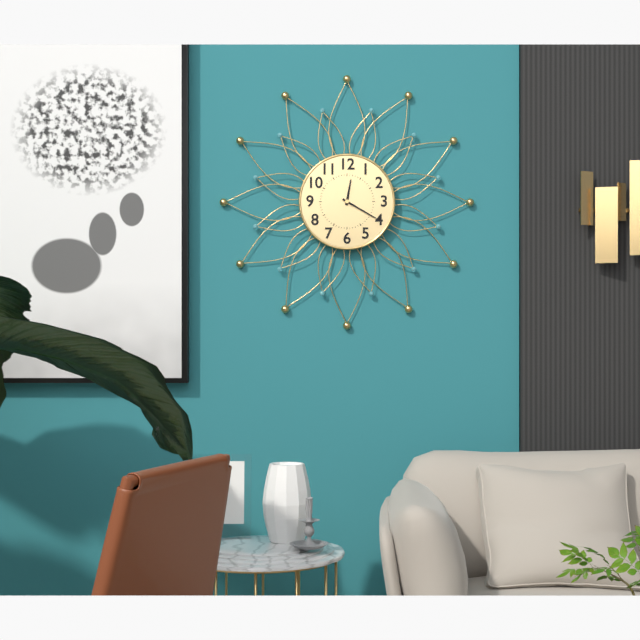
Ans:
12.20
